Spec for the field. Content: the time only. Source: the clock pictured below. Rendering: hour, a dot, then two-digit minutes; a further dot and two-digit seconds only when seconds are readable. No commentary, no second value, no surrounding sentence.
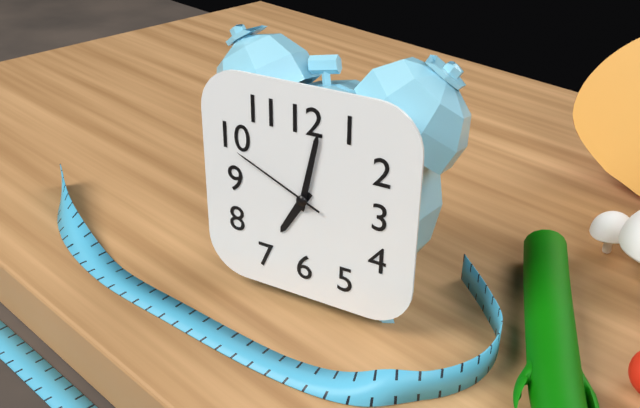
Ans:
7.02.49
